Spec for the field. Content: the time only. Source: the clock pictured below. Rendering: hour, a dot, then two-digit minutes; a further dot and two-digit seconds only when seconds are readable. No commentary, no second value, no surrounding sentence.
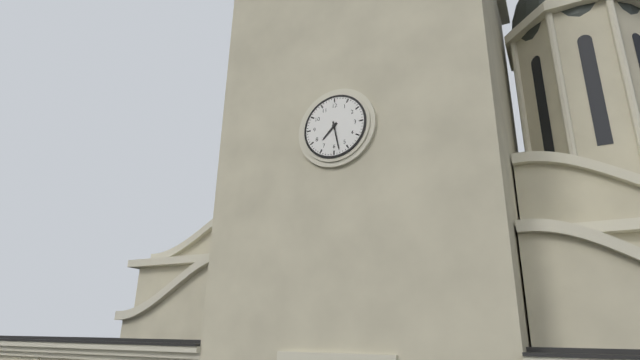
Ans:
7.28
